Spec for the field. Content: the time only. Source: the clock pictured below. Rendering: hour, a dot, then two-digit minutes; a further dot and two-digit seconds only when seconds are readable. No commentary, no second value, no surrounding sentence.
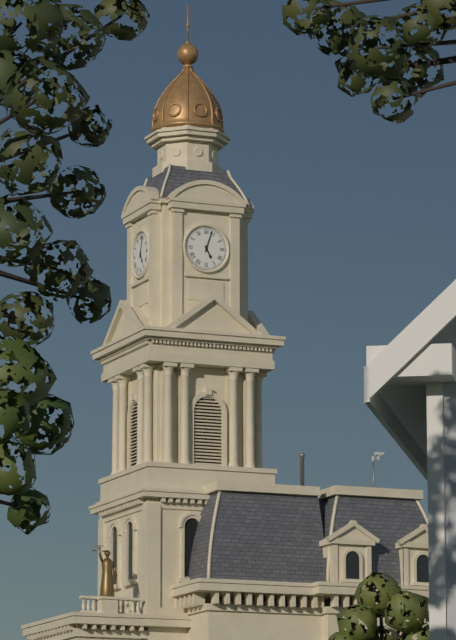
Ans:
5.03
